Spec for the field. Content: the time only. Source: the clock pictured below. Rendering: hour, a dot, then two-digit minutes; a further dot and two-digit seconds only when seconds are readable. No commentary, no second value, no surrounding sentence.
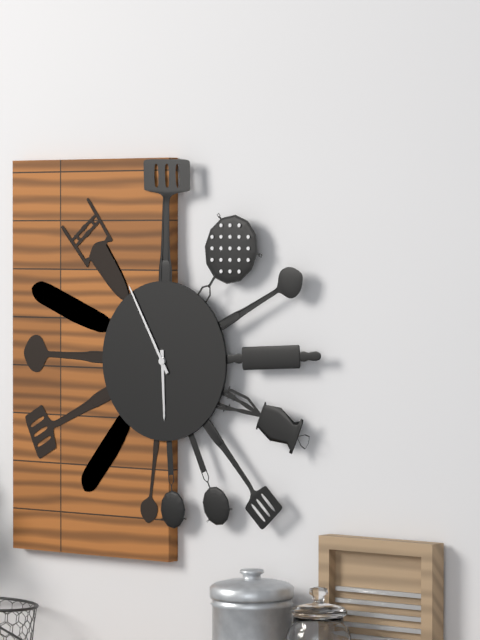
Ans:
5.55
